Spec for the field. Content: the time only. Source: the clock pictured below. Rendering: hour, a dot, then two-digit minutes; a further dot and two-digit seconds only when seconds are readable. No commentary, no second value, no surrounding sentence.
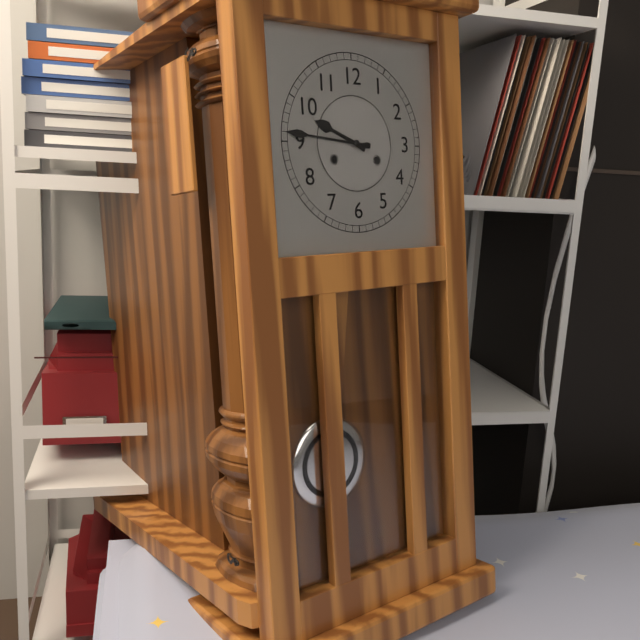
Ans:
9.46
